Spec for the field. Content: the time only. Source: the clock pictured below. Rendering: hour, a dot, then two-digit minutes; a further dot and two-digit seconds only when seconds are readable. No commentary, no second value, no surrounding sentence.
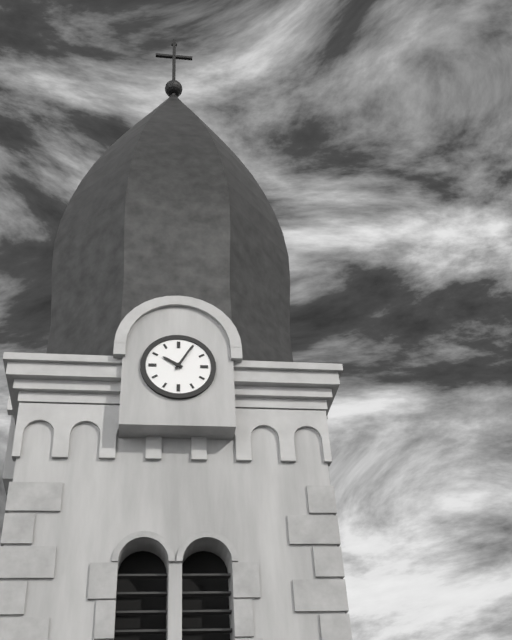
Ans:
10.05
